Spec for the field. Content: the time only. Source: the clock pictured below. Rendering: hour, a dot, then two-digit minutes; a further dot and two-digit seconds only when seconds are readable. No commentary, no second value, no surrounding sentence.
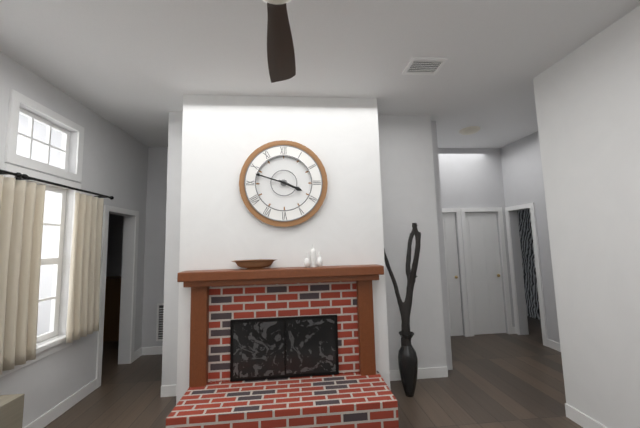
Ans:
3.48
